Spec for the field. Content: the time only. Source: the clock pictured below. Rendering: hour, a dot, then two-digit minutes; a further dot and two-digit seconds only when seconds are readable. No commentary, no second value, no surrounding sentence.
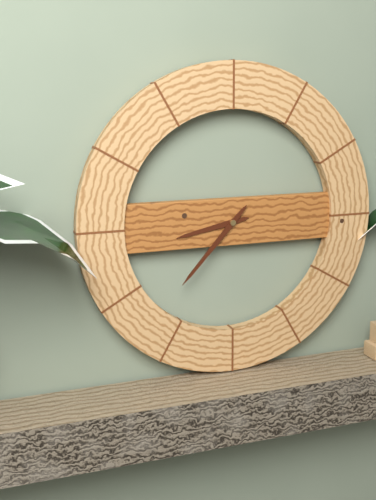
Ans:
8.37
